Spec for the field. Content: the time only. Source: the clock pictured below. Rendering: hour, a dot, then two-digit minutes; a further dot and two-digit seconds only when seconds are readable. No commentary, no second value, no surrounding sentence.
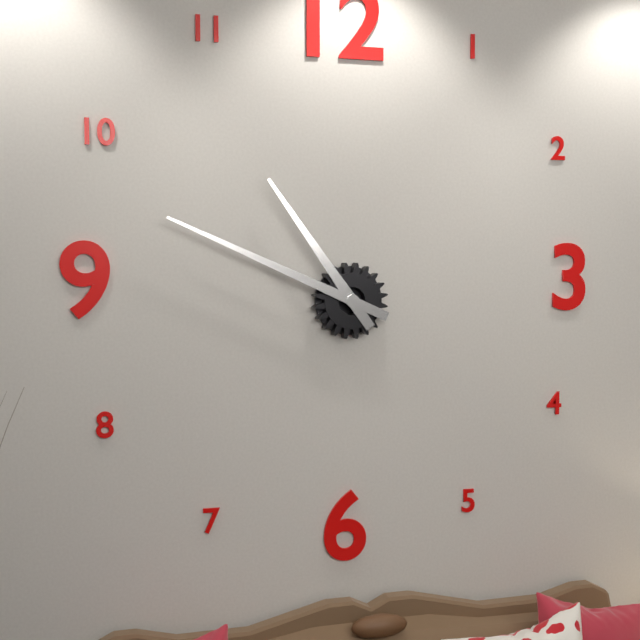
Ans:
10.49
